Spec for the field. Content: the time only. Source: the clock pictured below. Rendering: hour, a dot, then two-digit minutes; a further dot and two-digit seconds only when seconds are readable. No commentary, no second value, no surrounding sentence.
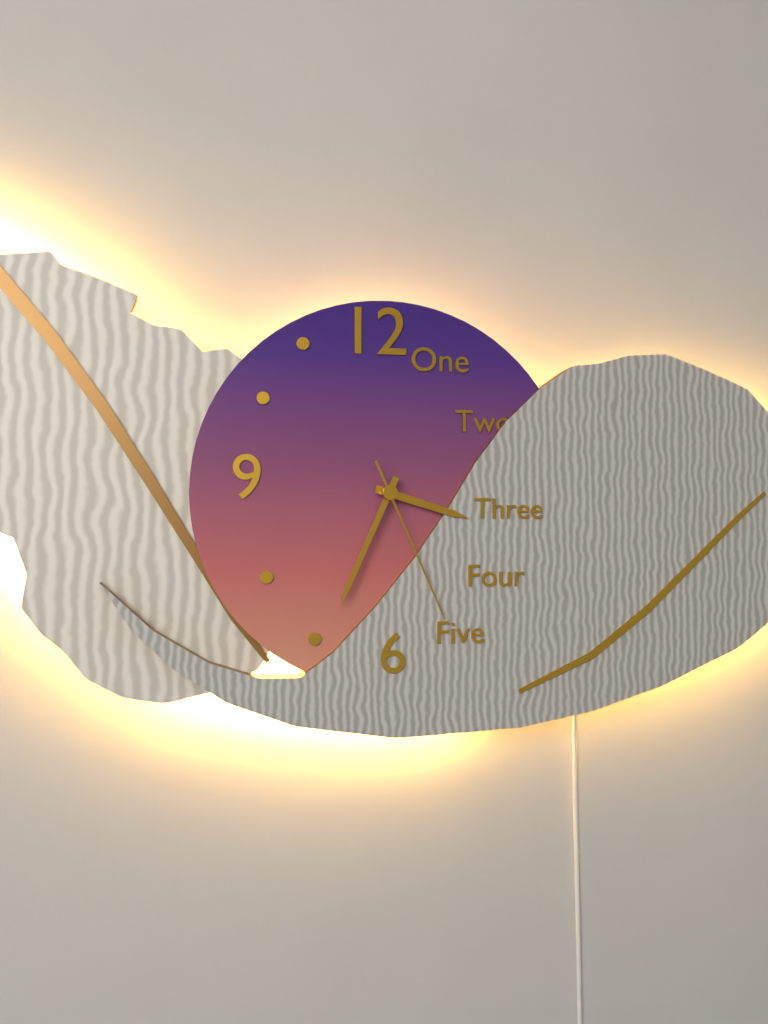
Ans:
3.34.26
